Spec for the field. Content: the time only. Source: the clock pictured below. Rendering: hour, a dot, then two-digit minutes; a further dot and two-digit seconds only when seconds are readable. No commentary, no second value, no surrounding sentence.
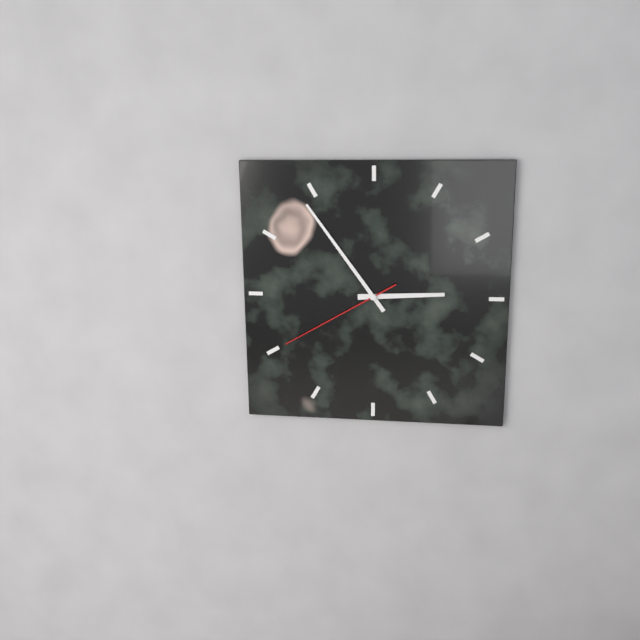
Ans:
2.54.40
